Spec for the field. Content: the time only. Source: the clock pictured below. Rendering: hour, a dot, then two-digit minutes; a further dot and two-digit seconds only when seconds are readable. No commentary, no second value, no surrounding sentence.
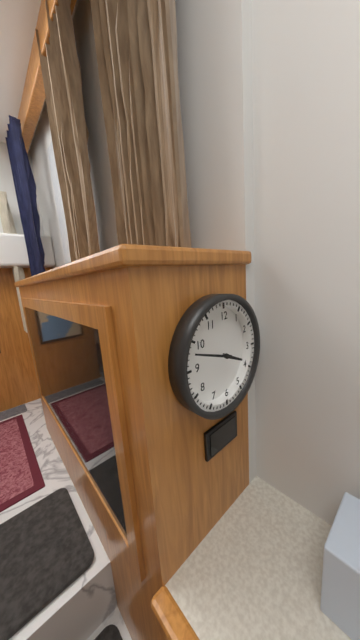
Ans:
3.48
